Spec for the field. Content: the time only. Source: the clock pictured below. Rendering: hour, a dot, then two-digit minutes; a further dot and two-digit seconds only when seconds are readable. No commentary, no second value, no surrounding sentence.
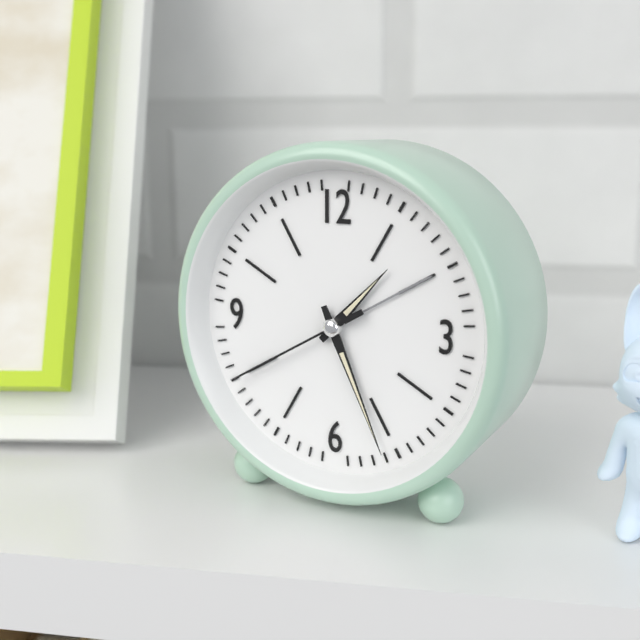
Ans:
1.26.40
